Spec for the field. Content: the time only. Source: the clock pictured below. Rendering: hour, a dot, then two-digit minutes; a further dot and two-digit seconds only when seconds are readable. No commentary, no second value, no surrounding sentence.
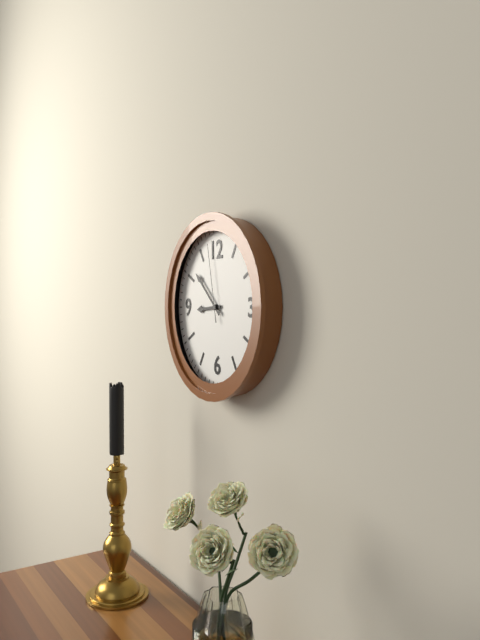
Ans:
8.52.58
